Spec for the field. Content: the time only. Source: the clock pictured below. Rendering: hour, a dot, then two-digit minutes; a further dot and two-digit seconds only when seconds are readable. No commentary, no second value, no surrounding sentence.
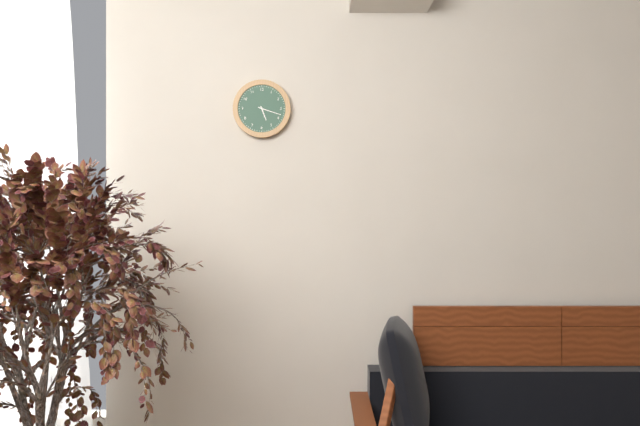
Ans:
5.18
